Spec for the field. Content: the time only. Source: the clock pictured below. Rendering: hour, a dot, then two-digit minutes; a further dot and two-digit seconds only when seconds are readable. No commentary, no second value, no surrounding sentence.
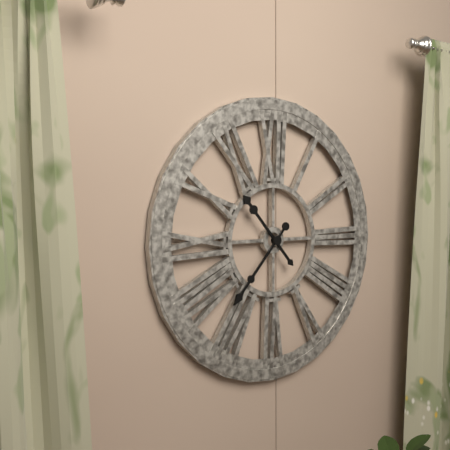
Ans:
10.37
